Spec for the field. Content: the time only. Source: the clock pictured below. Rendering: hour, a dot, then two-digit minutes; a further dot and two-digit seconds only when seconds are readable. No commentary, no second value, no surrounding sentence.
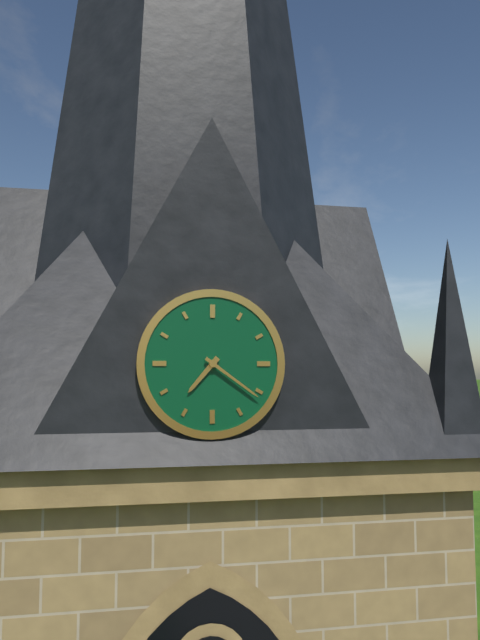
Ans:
7.21
